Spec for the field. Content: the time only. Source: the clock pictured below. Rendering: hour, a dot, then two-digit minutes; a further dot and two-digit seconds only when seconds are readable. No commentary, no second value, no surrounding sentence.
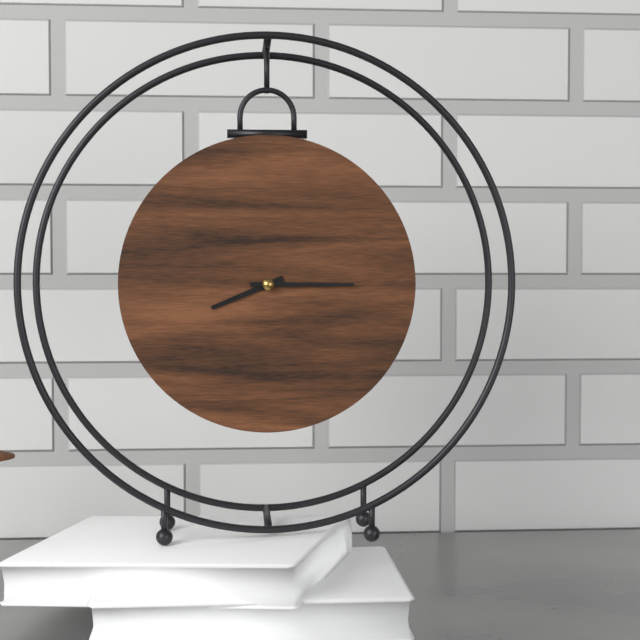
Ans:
8.15
